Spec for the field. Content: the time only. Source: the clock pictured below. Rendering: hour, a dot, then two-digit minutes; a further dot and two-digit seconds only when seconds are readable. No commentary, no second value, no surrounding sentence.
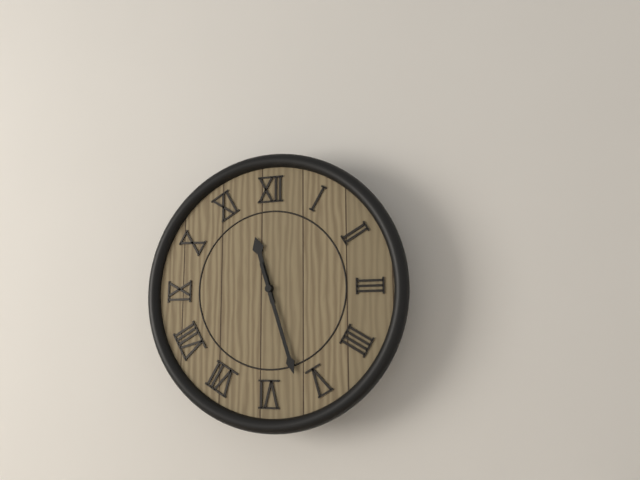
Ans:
11.27
